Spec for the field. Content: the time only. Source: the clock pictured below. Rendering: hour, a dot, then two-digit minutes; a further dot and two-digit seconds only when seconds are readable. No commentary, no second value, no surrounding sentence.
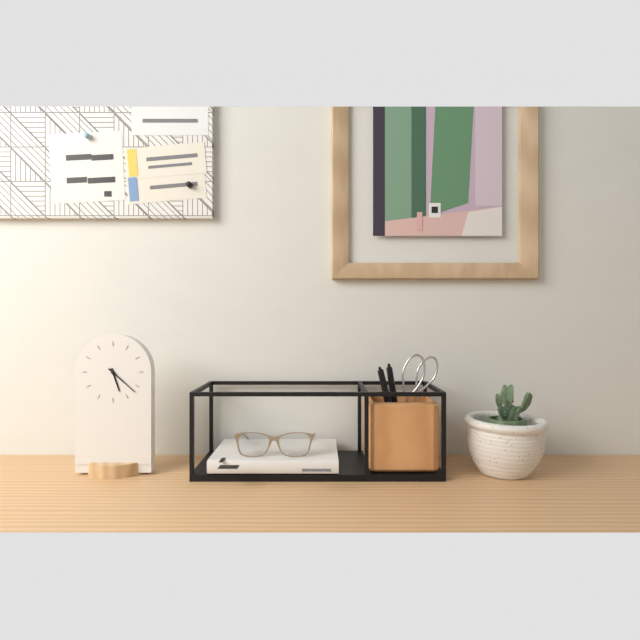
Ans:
5.22
